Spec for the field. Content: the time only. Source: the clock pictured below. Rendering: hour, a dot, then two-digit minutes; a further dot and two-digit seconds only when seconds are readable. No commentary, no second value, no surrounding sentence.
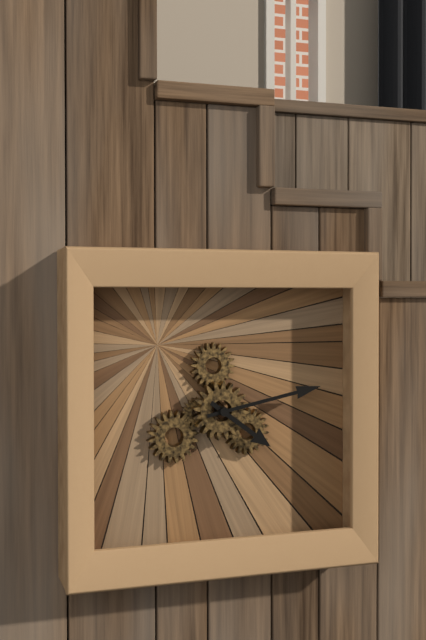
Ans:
4.13
